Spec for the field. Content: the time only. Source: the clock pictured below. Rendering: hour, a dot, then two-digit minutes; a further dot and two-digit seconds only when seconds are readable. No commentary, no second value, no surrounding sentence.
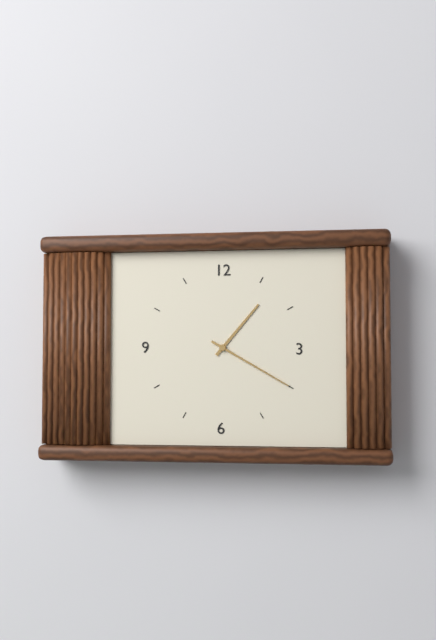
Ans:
1.20
